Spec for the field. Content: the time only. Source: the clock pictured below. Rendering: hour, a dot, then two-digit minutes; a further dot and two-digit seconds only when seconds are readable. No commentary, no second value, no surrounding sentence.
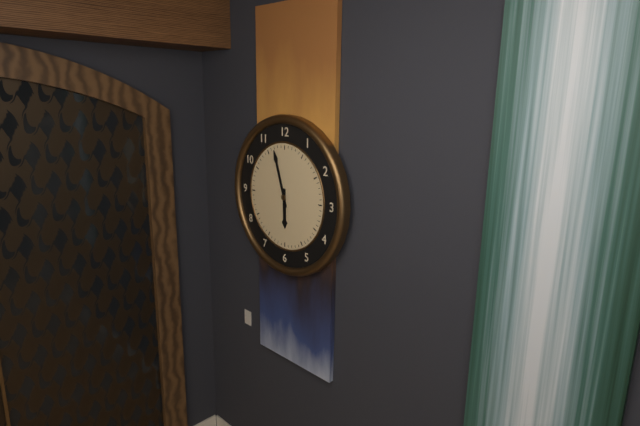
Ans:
5.57
